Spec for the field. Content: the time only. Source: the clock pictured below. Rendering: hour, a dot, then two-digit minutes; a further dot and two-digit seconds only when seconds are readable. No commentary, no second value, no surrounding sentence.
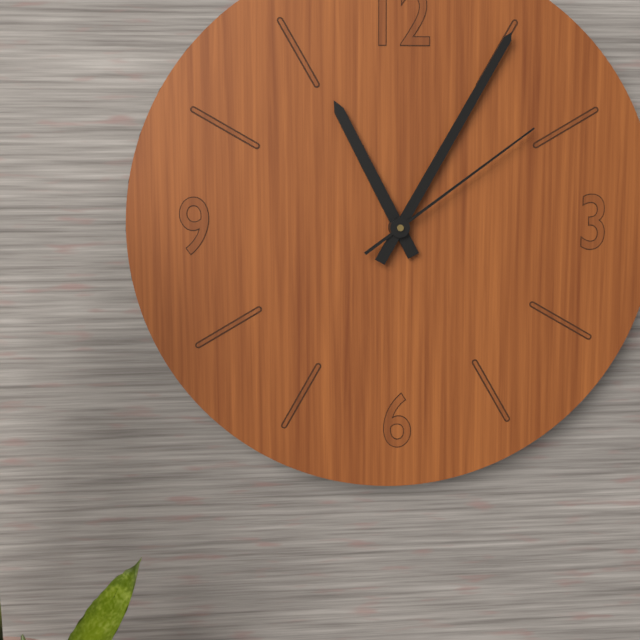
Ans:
11.05.09
